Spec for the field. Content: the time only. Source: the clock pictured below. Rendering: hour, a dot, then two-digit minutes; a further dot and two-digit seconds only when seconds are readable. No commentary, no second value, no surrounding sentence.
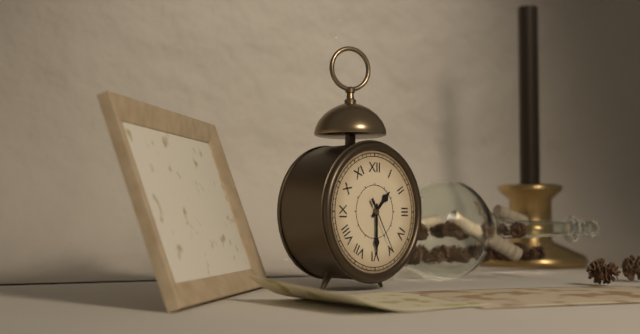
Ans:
1.30.25
